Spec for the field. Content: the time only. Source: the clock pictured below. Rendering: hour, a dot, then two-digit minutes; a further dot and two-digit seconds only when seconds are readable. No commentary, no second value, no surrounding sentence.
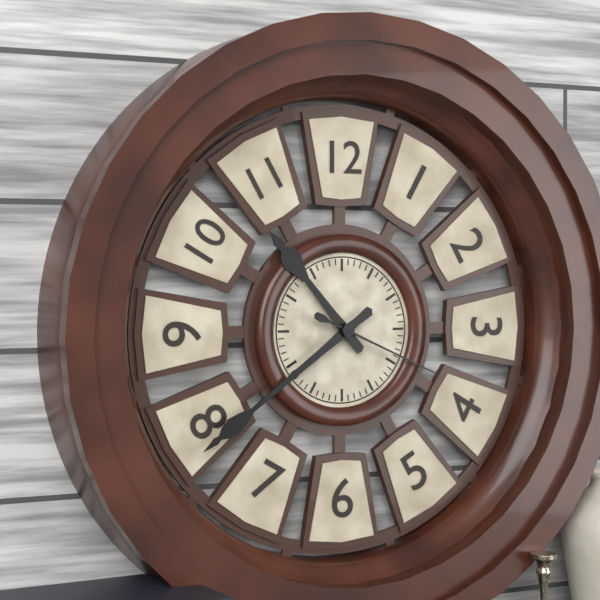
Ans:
10.39.19
